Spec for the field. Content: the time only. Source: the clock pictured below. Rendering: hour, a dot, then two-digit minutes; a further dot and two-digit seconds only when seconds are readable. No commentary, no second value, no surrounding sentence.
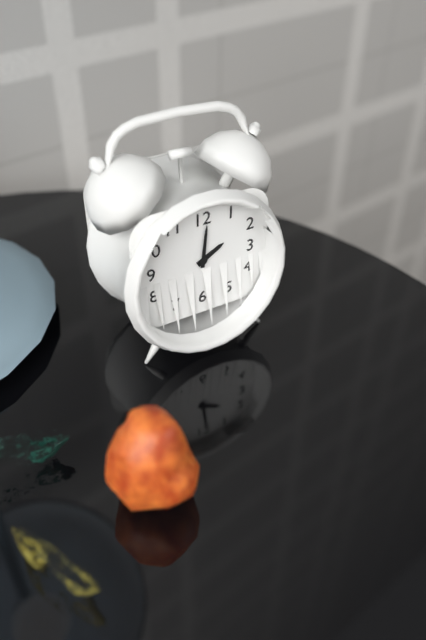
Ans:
2.01
